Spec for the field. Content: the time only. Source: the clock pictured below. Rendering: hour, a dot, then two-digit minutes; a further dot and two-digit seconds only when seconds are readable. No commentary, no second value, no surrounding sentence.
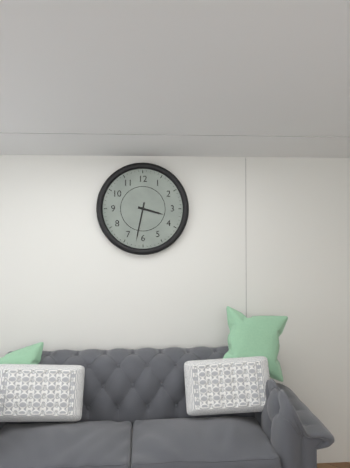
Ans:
3.32
